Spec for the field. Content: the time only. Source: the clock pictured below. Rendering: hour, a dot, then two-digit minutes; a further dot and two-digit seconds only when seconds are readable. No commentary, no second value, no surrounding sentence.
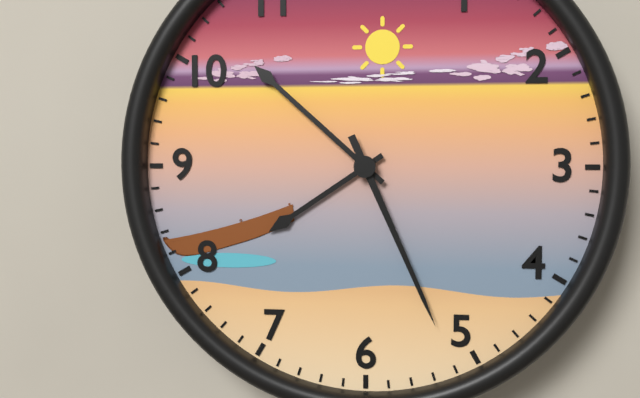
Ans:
7.52.26
